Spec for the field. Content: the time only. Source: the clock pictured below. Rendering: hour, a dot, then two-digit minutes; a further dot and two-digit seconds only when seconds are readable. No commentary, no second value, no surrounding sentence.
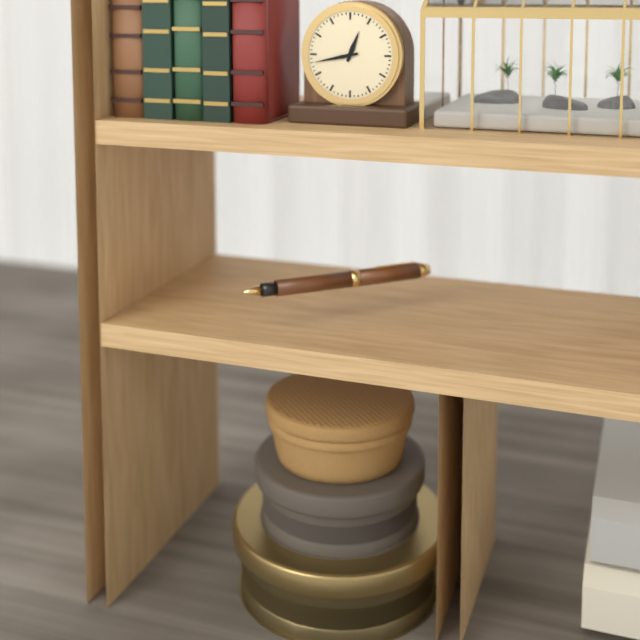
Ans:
12.43
